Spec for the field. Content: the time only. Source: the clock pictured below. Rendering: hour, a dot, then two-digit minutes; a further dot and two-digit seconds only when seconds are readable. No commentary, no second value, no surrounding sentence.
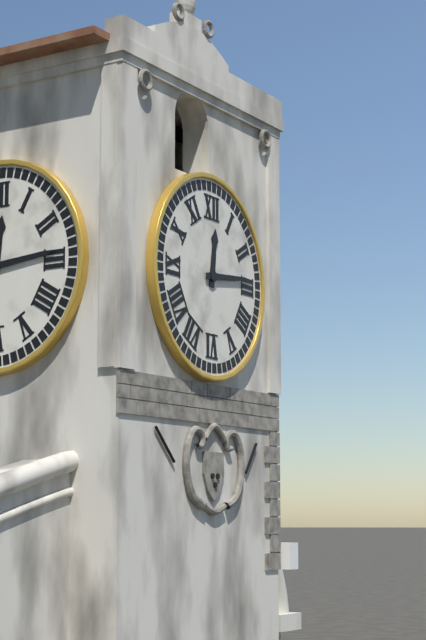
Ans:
12.14
